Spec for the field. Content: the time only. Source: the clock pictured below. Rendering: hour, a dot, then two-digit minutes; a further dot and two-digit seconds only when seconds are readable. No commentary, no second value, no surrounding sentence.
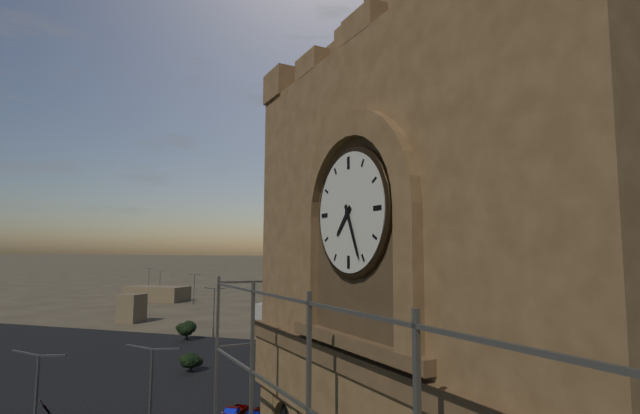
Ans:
7.26
